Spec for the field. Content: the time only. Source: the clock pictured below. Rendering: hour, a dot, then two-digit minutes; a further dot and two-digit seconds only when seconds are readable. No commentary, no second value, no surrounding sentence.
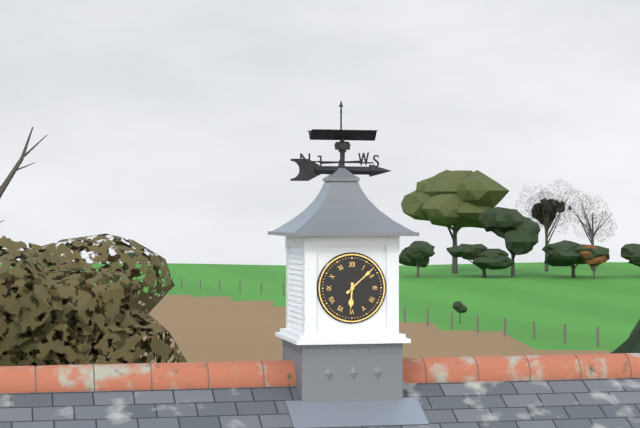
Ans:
6.08
